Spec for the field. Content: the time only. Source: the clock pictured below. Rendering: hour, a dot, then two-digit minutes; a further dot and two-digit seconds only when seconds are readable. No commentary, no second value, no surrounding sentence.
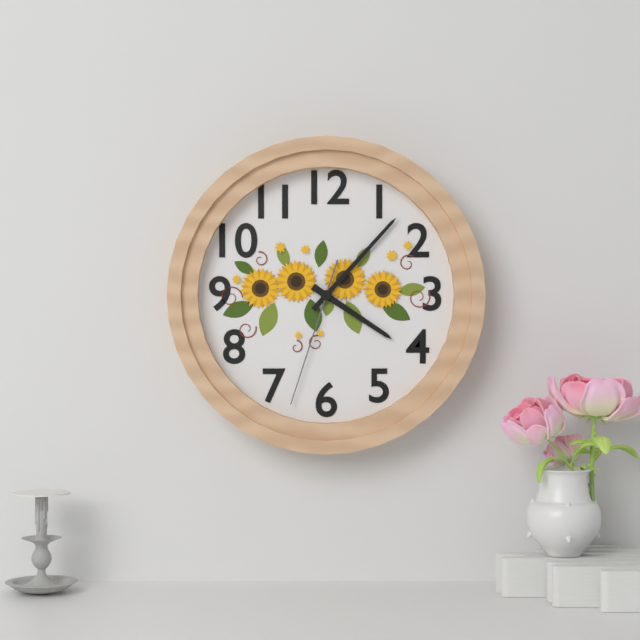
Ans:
4.07.33
